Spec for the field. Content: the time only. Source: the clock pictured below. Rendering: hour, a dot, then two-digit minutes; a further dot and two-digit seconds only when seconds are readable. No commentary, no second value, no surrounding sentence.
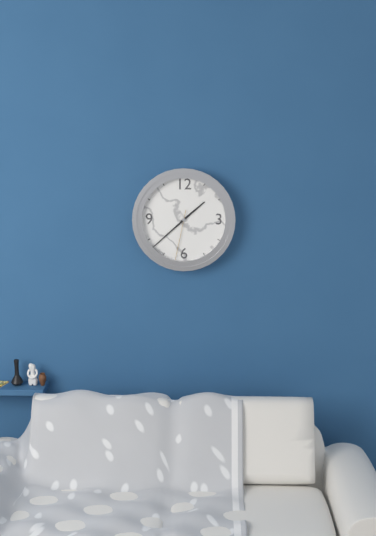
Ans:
1.38.32
